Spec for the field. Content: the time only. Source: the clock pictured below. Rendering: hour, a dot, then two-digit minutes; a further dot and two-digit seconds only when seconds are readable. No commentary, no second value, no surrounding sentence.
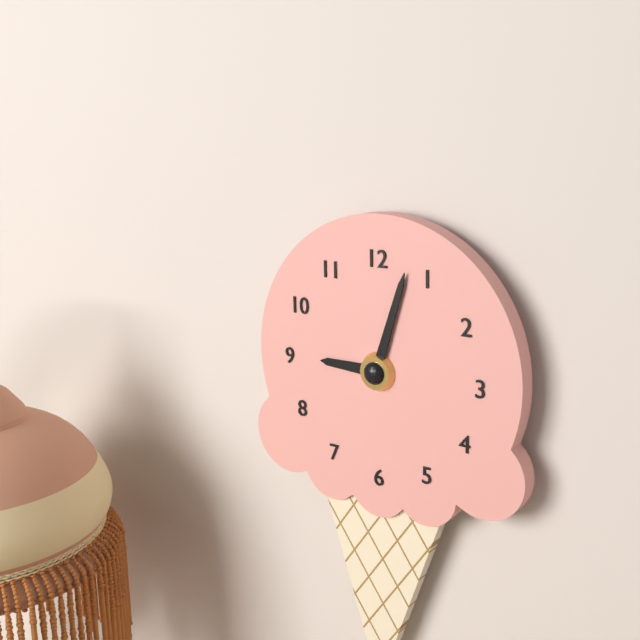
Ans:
9.03
